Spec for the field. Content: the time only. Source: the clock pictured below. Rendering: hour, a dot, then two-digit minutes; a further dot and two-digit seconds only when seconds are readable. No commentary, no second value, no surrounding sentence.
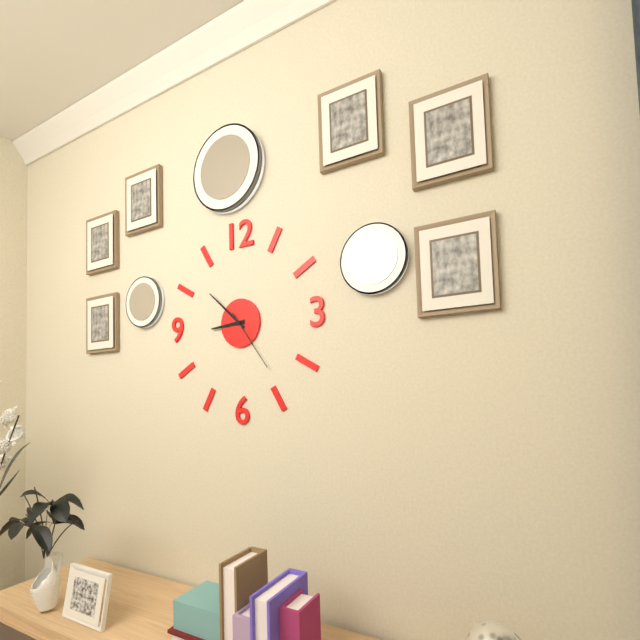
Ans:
8.52.24
